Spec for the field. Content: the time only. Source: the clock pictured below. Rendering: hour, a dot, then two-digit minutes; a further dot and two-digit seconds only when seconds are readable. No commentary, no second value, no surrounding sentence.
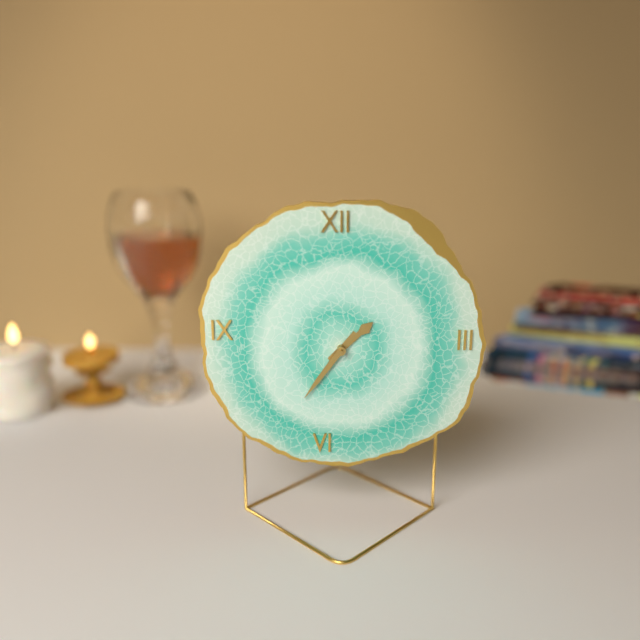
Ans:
1.36
